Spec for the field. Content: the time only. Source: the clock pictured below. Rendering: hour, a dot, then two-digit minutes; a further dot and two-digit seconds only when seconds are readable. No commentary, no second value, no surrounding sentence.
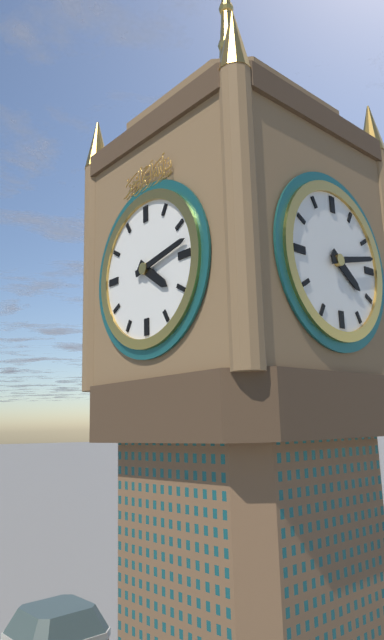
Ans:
4.13
